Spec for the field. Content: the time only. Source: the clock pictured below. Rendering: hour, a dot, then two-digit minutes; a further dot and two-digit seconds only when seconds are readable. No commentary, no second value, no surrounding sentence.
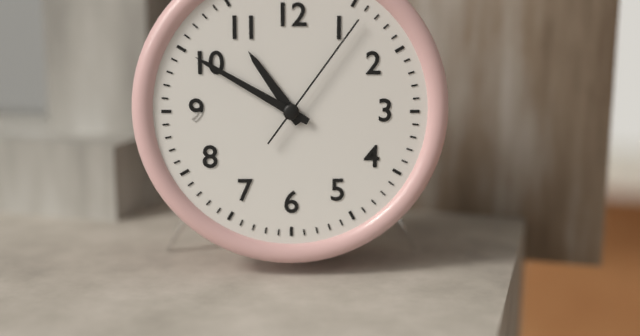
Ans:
10.50.06
